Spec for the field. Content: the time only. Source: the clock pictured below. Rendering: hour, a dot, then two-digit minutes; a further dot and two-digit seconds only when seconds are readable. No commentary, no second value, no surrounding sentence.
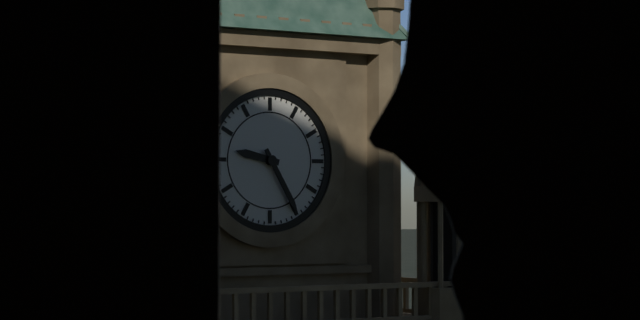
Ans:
9.25
